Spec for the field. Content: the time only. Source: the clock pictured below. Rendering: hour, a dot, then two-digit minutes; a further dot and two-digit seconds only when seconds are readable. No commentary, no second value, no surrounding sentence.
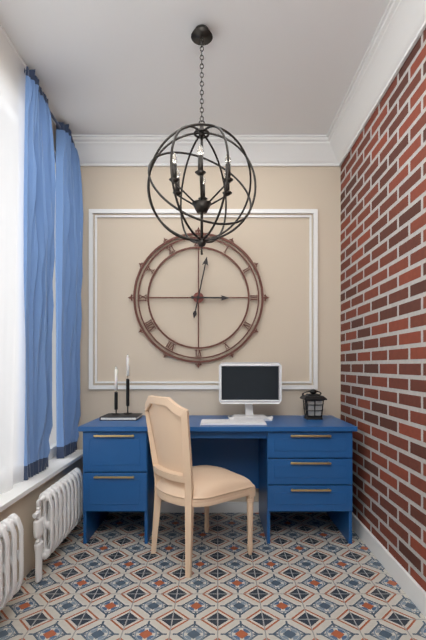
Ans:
3.02
